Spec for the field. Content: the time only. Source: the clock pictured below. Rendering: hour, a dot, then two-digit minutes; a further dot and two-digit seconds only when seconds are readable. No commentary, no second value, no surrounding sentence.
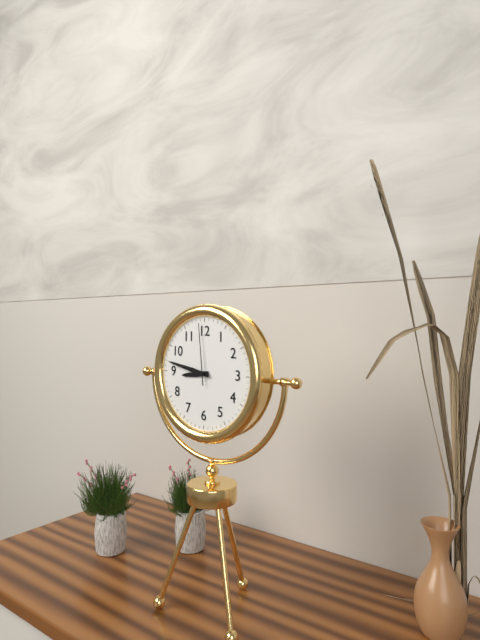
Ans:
8.47.59
